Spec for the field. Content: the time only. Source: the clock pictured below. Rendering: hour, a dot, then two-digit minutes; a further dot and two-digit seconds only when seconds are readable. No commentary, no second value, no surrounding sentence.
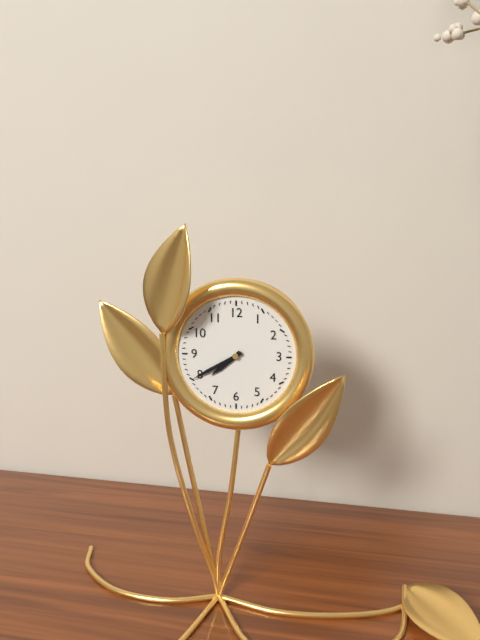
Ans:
7.40
